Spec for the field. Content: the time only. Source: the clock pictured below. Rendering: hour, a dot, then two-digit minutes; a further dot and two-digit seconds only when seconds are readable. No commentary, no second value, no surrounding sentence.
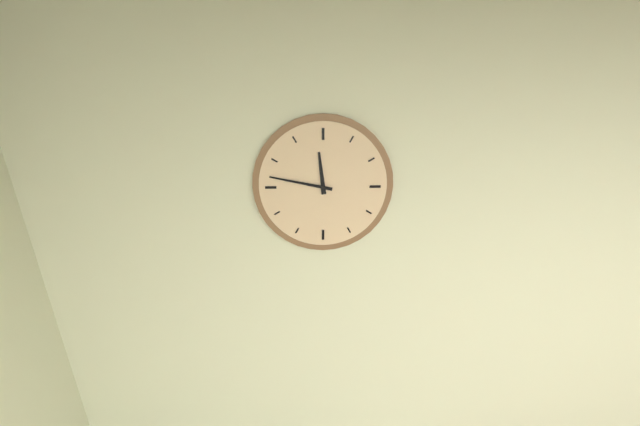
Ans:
11.47
